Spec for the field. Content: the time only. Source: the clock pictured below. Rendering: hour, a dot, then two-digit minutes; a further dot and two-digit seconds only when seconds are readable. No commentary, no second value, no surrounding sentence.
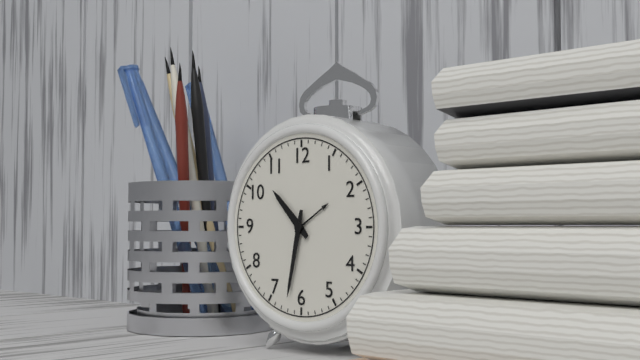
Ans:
10.32
